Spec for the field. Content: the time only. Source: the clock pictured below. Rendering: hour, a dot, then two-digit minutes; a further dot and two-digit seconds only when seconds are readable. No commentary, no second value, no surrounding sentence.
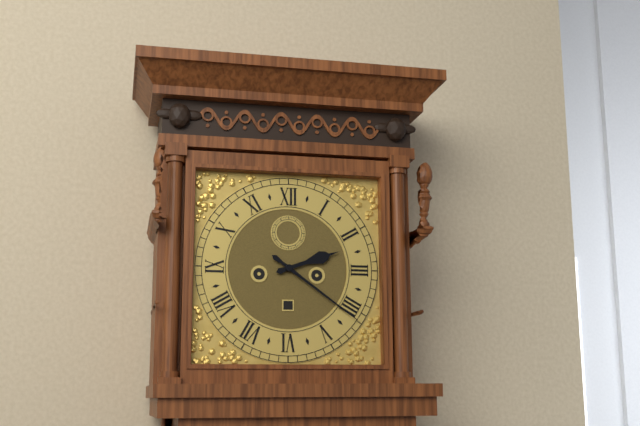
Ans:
2.21
